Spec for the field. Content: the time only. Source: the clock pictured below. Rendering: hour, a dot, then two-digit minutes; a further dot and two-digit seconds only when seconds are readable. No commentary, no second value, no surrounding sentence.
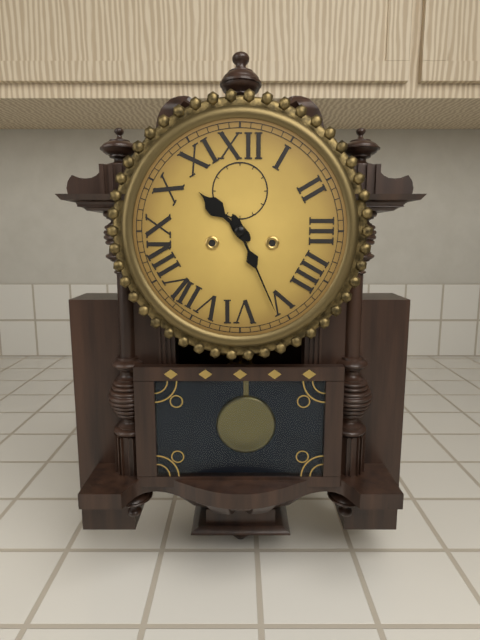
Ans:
10.26
